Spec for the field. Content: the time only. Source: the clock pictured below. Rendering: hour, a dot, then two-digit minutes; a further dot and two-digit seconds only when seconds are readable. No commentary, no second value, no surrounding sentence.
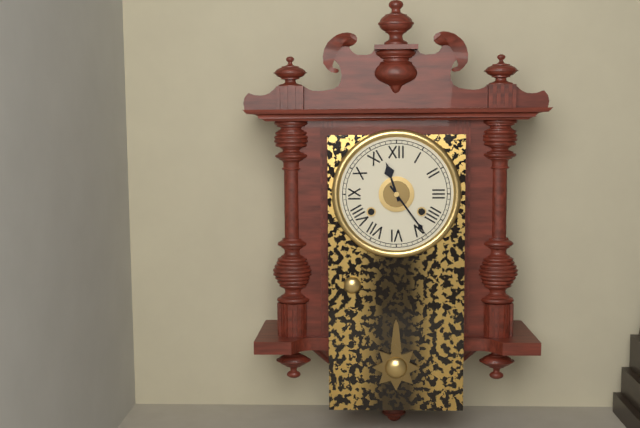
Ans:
11.24
